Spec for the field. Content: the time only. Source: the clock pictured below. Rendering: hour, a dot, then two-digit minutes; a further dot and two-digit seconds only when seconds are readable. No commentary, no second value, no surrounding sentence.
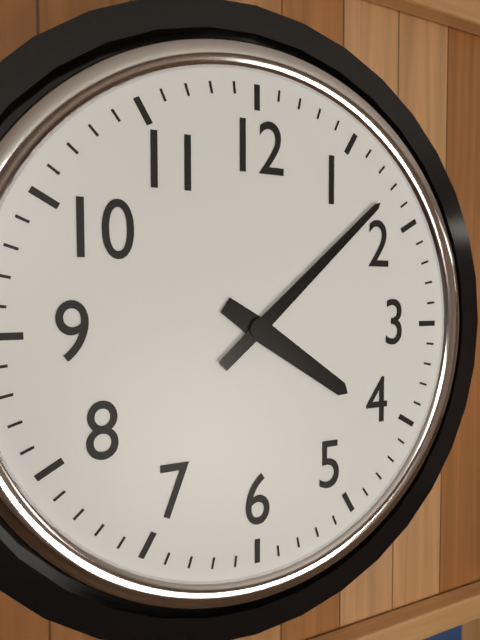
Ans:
4.08
